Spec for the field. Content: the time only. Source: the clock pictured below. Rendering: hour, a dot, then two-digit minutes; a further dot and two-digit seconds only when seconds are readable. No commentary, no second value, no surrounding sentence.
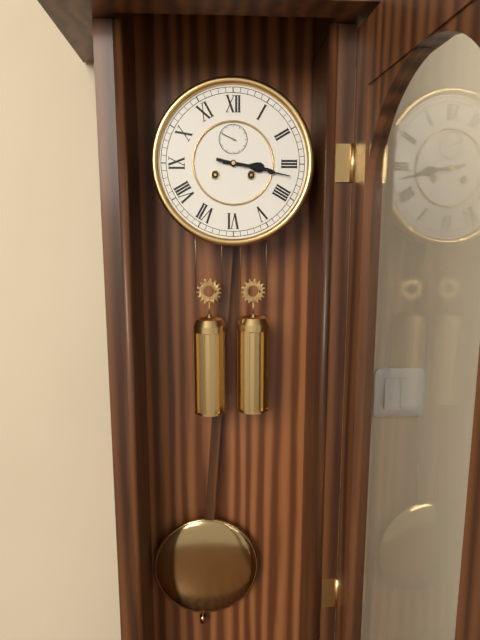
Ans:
3.17
